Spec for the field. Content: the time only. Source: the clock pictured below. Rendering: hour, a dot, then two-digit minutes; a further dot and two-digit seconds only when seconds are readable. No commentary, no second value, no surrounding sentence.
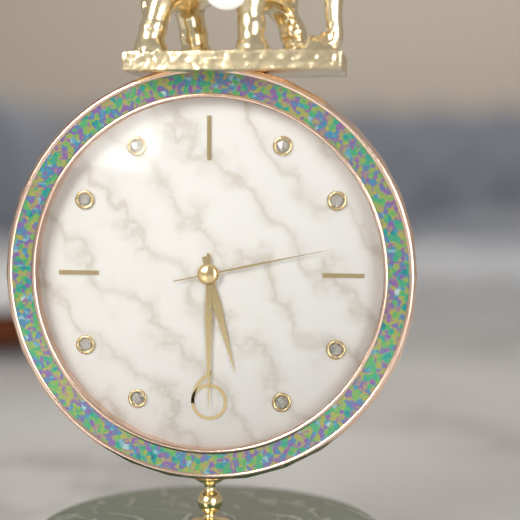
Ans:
5.30.13
